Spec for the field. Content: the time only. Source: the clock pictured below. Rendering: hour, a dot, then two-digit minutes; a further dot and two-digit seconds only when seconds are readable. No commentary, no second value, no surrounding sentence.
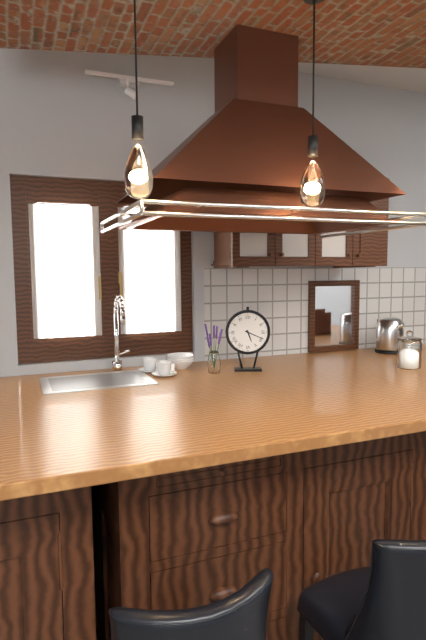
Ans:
5.19
